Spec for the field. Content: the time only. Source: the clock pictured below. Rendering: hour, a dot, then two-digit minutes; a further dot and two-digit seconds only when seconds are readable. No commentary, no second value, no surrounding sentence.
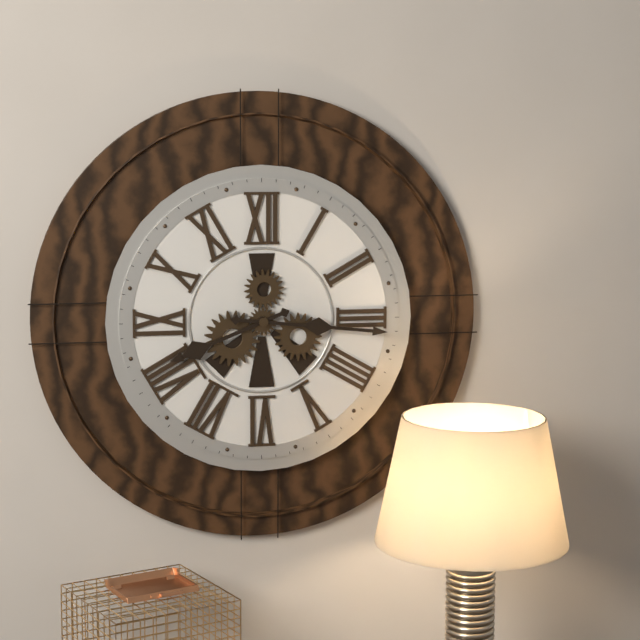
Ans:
8.16
